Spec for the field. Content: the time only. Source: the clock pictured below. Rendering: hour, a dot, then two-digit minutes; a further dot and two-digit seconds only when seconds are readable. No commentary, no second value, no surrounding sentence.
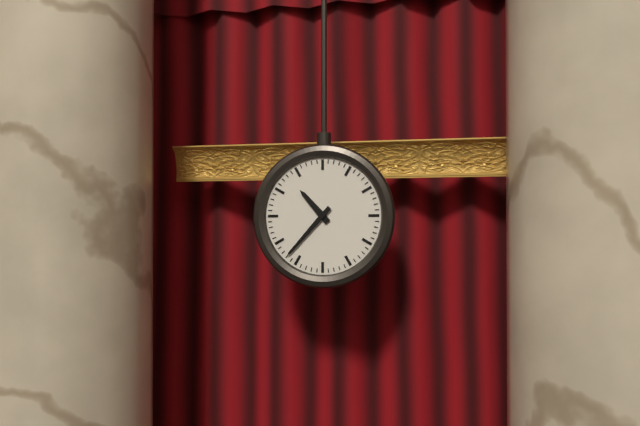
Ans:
10.37
